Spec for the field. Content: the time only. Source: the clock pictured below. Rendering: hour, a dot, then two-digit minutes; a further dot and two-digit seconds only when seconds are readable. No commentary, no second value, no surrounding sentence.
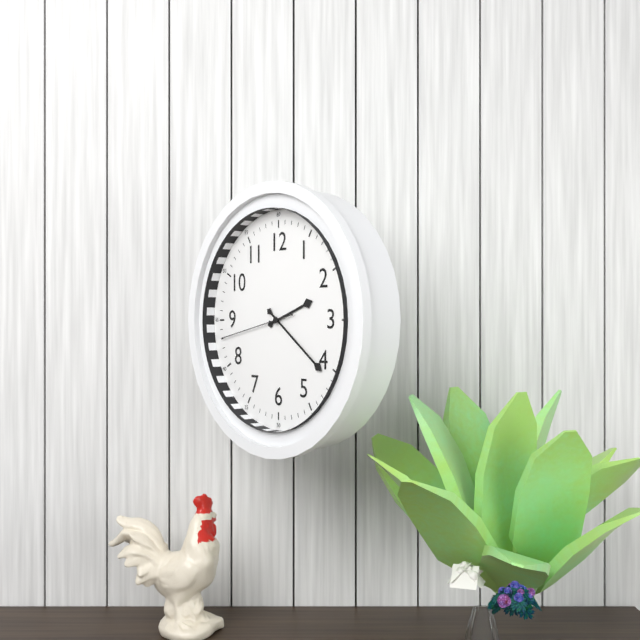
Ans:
2.21.43
